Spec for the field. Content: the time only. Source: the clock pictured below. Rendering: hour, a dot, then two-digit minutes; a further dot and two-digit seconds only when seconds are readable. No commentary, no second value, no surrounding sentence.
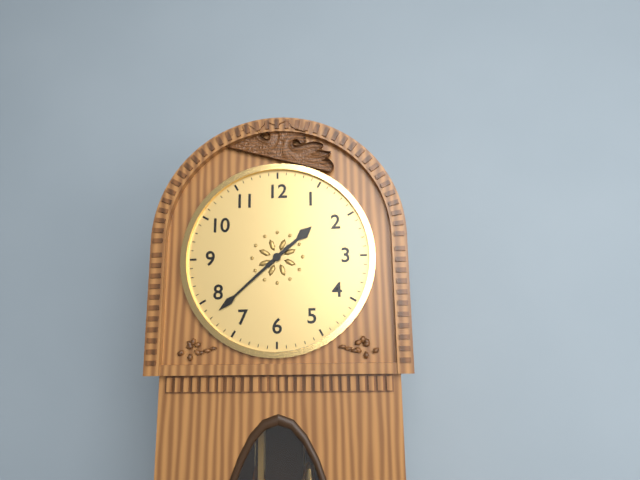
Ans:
1.38
